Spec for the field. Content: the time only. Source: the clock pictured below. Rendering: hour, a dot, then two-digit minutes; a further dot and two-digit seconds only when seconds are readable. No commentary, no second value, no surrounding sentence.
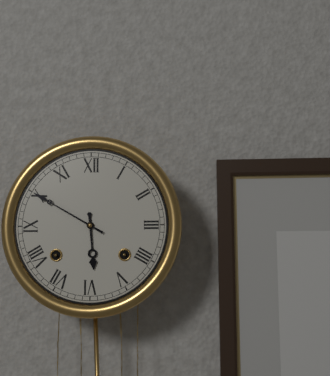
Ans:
5.50
